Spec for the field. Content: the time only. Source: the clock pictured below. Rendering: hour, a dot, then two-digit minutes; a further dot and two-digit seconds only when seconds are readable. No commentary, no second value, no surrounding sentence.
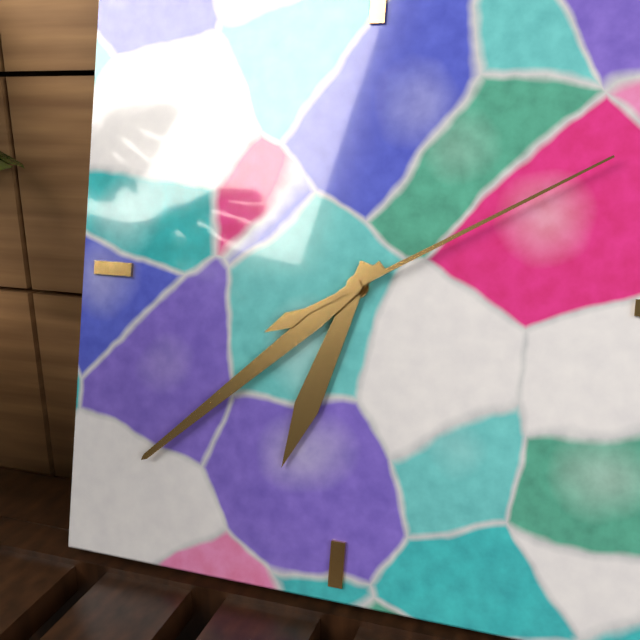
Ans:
6.38.10
